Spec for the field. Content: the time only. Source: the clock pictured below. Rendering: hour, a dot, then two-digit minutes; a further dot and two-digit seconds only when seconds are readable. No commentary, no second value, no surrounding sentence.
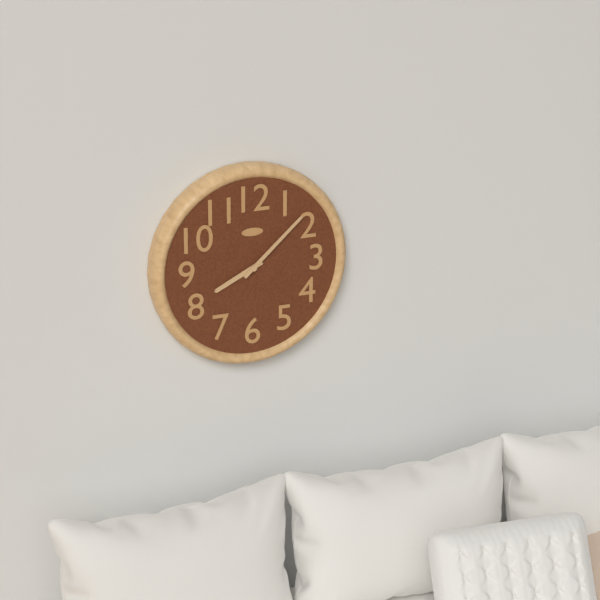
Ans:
8.08
